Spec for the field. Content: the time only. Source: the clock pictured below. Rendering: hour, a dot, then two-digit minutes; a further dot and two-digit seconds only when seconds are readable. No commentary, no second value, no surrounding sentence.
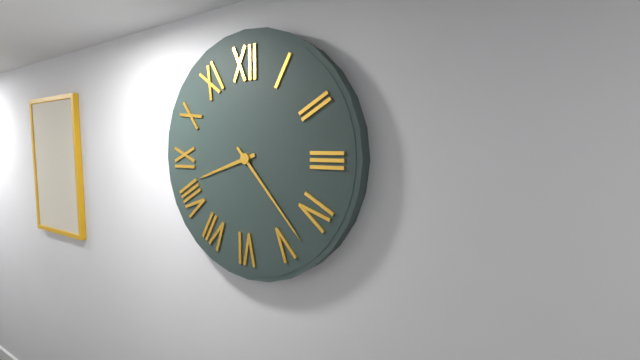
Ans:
8.23
